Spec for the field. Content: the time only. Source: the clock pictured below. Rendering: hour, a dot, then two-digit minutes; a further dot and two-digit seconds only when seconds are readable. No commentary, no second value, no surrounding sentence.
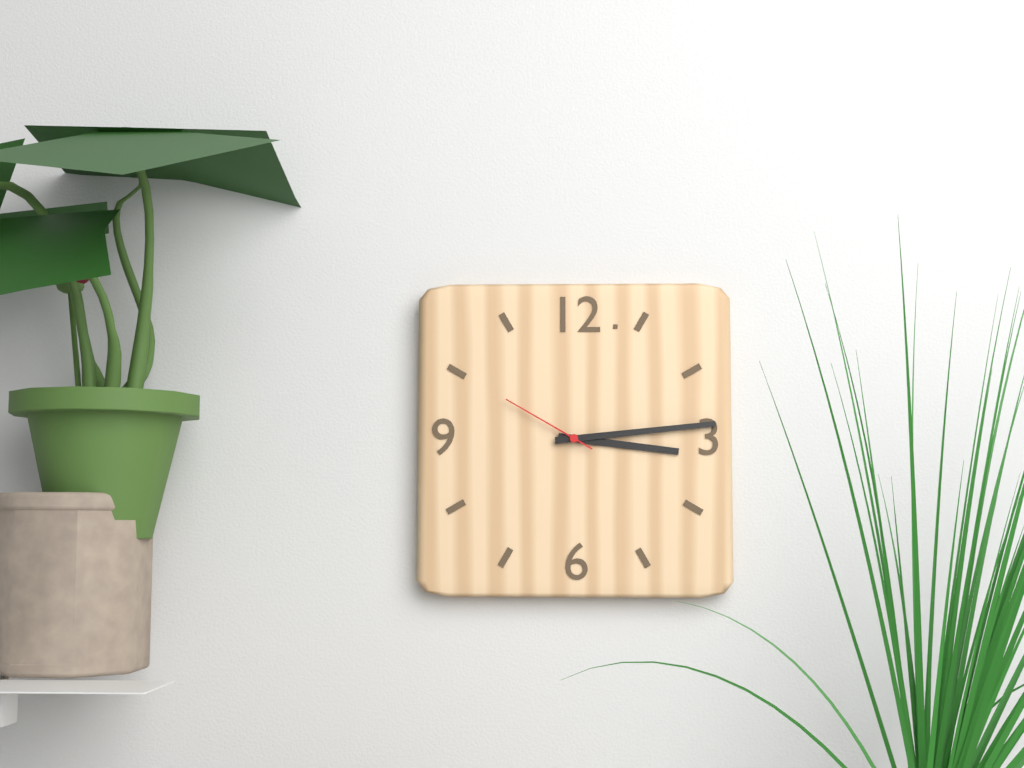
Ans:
3.14.50
